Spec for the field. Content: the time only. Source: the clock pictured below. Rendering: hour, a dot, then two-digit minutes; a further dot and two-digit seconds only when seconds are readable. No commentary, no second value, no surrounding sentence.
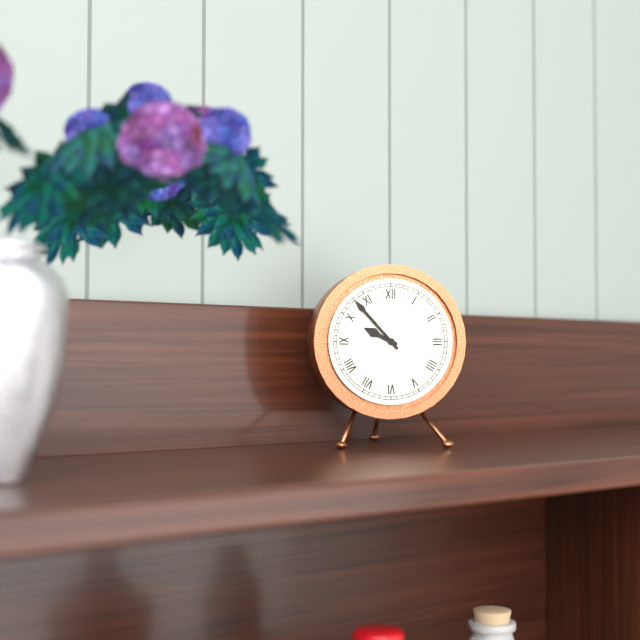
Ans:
9.53
